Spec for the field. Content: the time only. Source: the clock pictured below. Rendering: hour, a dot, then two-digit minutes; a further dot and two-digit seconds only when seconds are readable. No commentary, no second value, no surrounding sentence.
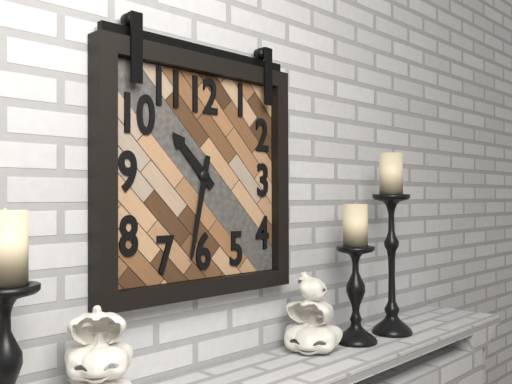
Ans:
10.32
